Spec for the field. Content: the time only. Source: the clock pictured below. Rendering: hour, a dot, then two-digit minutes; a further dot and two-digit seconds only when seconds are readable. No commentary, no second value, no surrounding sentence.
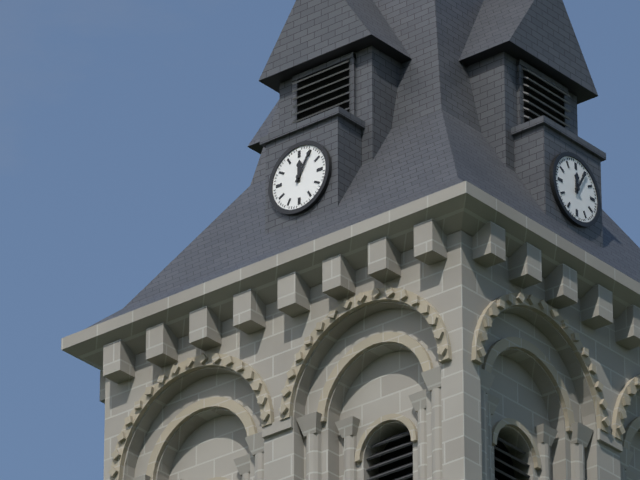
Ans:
12.05
